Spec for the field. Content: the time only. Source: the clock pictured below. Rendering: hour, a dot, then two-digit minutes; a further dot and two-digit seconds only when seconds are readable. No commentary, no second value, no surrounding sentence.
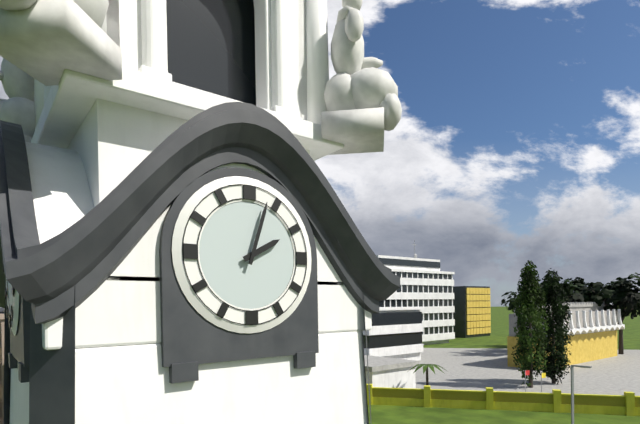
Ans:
2.03
